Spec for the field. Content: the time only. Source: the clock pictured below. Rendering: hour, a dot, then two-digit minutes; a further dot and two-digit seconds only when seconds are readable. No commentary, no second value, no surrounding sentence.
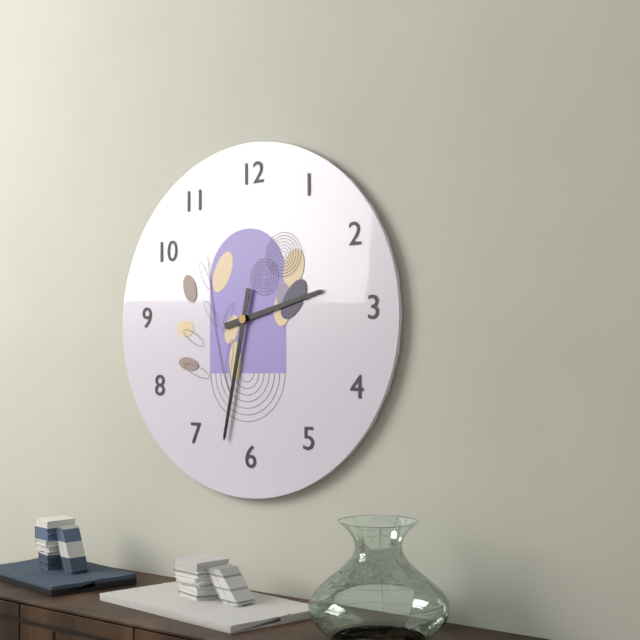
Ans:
2.32
